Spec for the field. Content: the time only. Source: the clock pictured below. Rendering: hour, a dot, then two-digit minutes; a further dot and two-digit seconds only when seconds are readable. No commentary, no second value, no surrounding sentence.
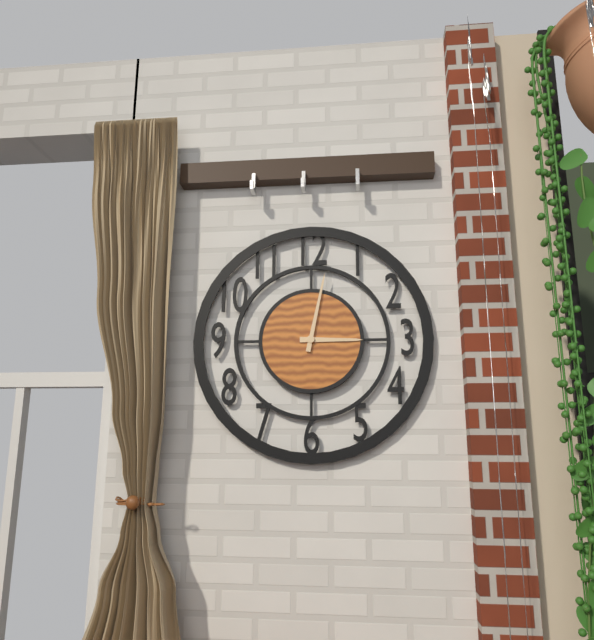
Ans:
3.02
